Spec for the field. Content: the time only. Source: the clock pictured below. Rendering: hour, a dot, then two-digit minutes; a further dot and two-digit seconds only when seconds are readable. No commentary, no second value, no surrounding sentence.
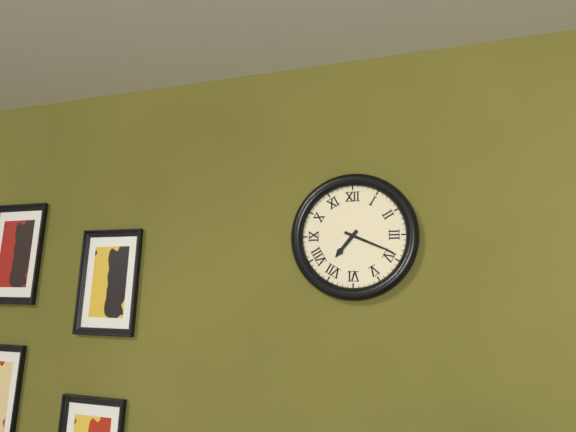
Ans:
7.19
